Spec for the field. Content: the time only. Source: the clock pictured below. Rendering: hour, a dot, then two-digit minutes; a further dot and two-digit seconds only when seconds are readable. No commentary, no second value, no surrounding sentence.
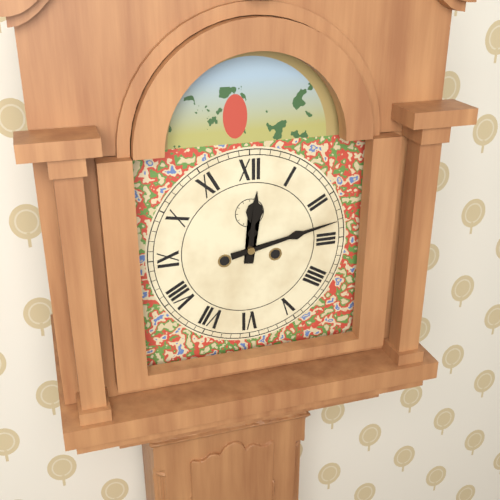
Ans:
12.13
